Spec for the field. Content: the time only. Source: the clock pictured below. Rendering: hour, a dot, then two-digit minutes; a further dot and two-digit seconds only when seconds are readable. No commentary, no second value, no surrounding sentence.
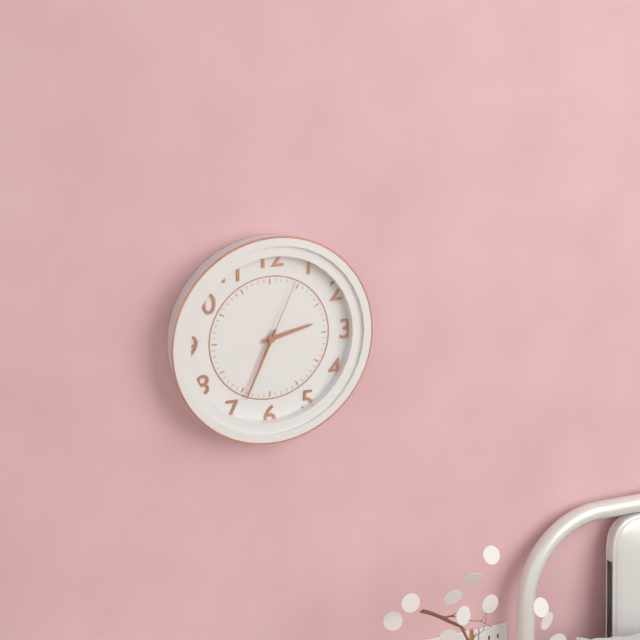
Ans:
2.34.04
